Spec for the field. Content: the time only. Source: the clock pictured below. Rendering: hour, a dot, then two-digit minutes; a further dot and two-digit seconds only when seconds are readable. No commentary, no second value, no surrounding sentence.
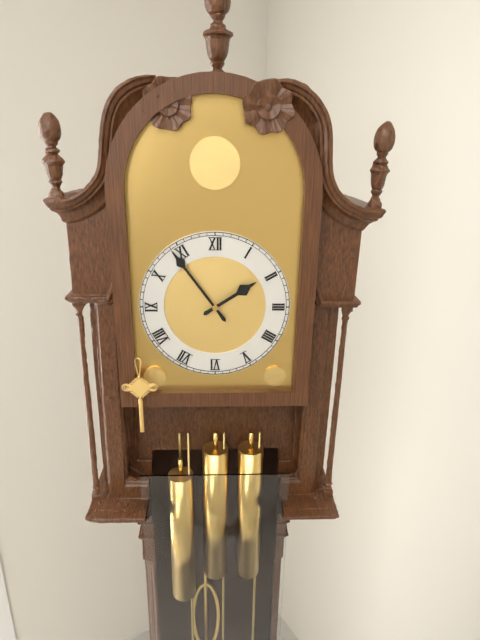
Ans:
1.54
